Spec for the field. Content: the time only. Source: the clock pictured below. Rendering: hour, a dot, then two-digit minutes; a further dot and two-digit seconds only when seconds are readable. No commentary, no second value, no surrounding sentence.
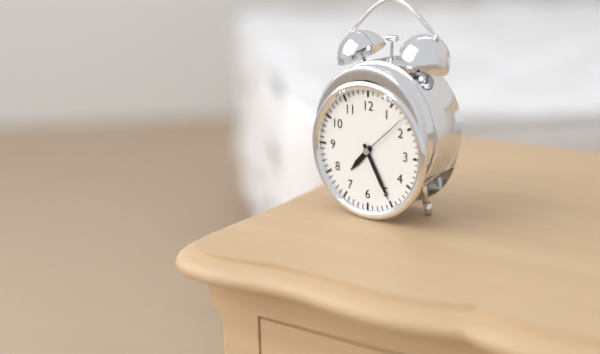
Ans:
7.25.08
